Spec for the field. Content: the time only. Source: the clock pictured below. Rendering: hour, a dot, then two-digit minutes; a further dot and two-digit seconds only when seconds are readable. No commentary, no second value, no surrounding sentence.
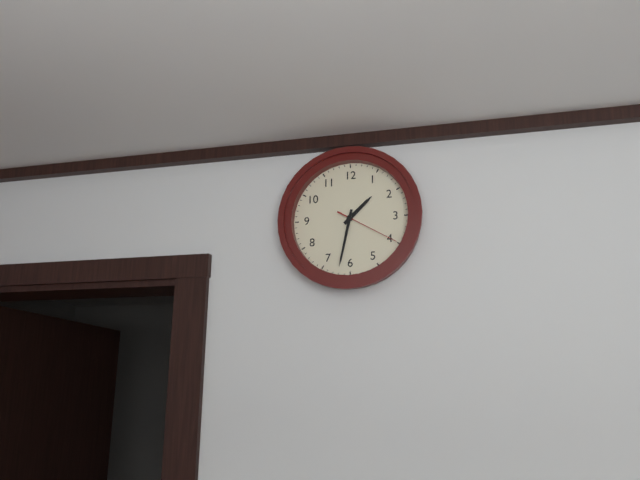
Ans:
1.32.20
